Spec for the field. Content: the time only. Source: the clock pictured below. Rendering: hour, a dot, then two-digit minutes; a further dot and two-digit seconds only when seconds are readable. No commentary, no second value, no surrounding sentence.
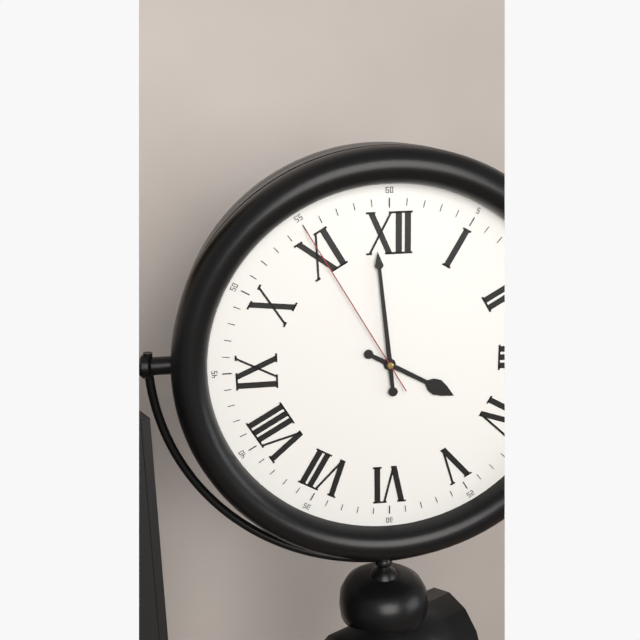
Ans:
3.59.55
